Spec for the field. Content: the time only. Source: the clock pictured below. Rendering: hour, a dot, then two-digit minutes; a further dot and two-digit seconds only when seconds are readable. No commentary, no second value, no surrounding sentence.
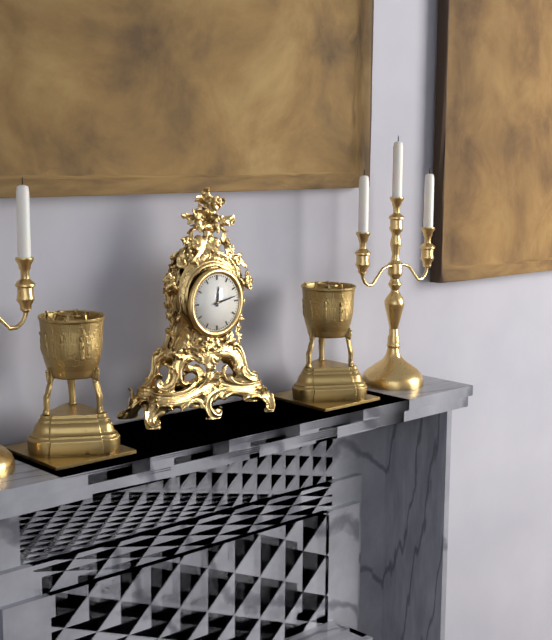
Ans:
12.13
